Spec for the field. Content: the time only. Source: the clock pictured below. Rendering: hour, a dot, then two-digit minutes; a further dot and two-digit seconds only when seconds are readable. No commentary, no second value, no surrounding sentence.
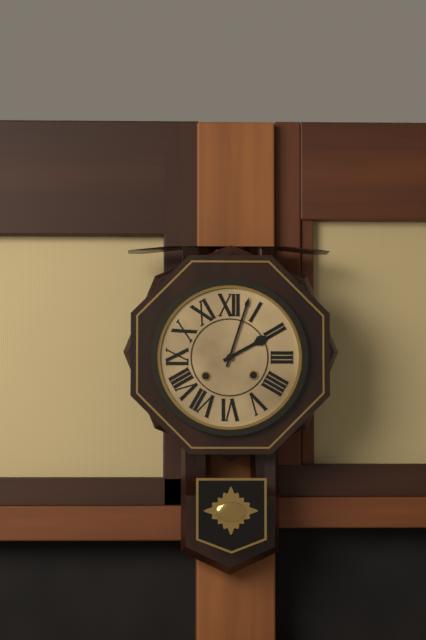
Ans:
2.03
